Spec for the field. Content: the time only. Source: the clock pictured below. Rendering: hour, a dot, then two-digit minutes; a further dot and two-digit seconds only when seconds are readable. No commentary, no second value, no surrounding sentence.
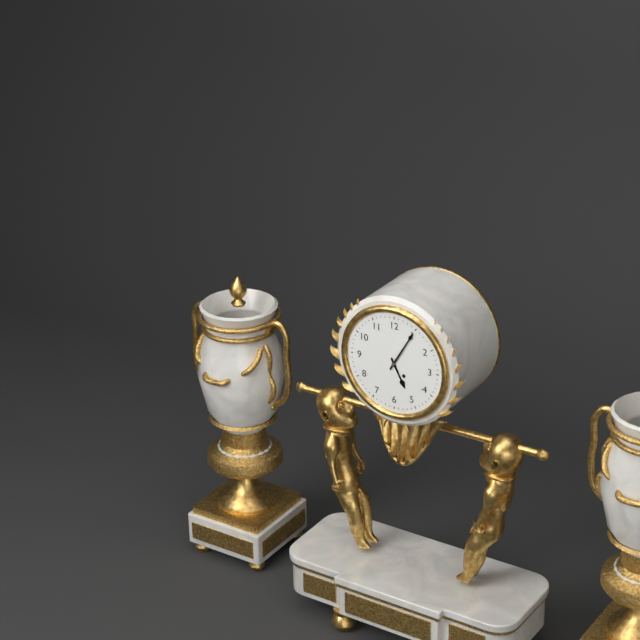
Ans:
5.05
